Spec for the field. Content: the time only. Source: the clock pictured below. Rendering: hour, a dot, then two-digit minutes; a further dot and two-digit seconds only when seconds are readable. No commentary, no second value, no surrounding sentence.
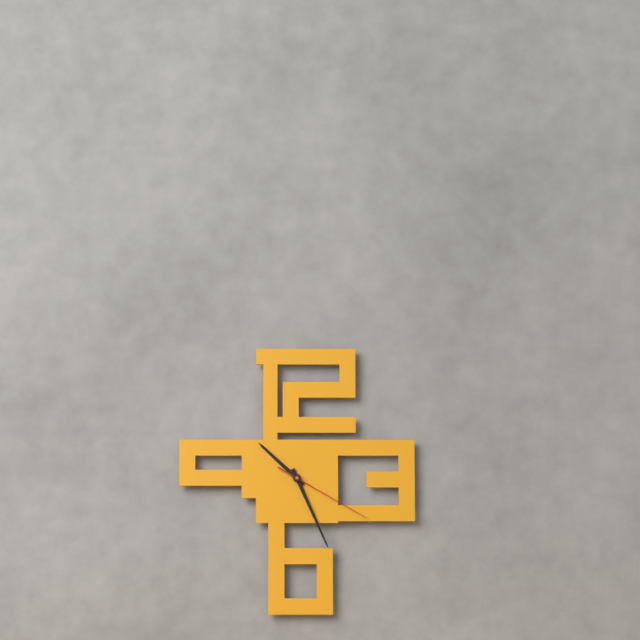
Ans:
10.26.20
